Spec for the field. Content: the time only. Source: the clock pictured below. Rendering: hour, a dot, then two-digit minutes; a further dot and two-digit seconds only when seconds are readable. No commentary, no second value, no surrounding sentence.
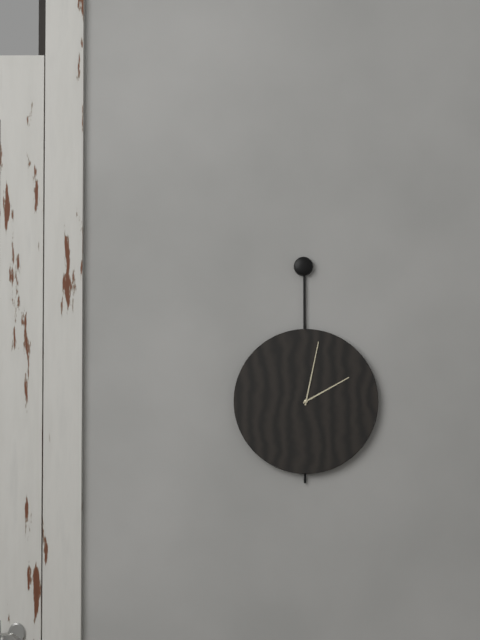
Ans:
2.02
